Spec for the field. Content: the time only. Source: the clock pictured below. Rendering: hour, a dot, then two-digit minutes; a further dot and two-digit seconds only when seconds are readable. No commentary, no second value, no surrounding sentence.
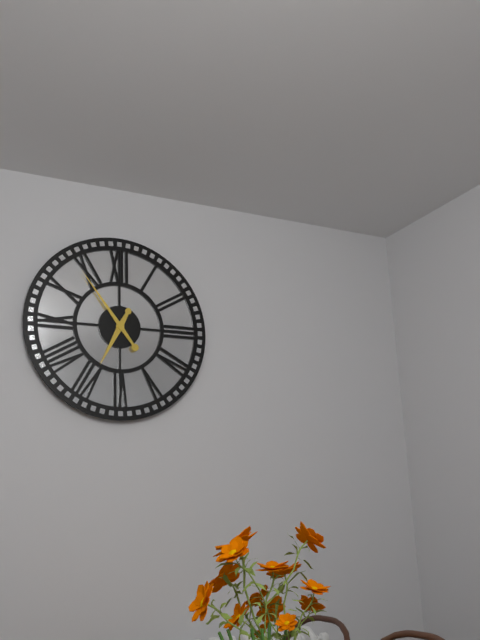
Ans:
6.54
